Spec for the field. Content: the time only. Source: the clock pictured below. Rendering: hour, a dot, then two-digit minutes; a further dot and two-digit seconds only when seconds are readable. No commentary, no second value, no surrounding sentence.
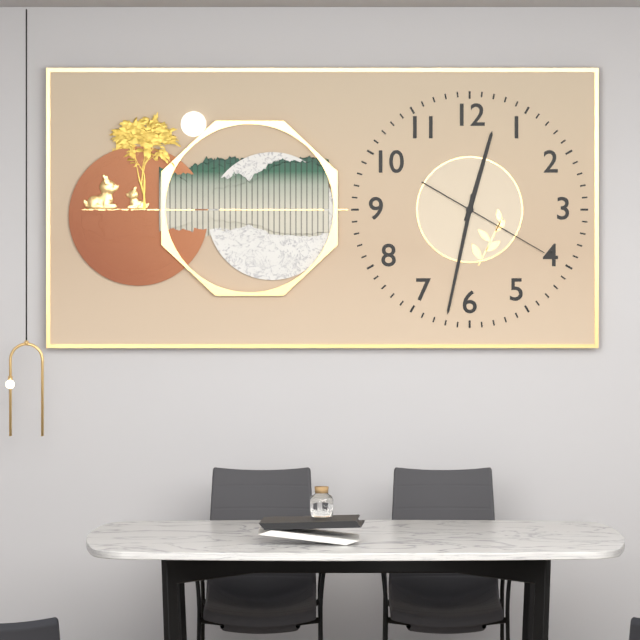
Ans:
12.32.20
